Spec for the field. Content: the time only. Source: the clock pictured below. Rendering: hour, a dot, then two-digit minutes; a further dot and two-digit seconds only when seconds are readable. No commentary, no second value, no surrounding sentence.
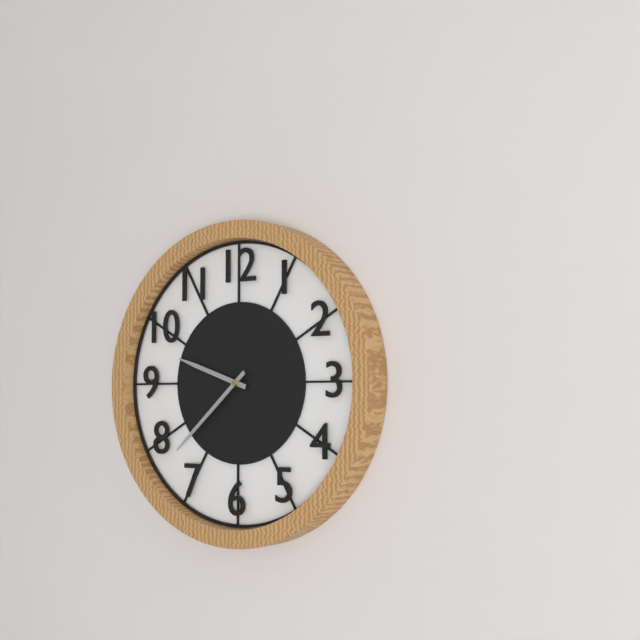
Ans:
9.38
